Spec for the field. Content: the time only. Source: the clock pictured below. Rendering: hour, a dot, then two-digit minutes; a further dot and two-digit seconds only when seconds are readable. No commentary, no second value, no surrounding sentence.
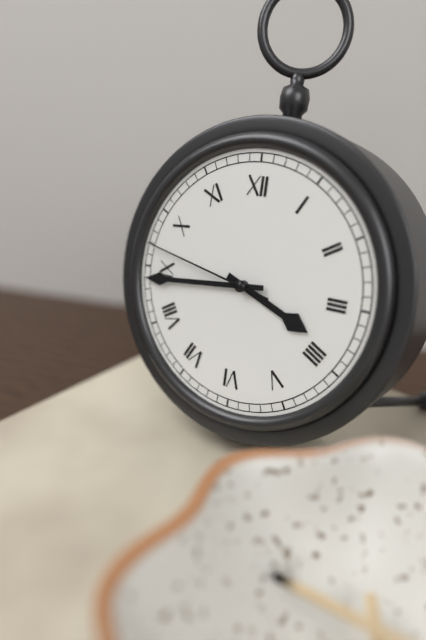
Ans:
3.44.47
